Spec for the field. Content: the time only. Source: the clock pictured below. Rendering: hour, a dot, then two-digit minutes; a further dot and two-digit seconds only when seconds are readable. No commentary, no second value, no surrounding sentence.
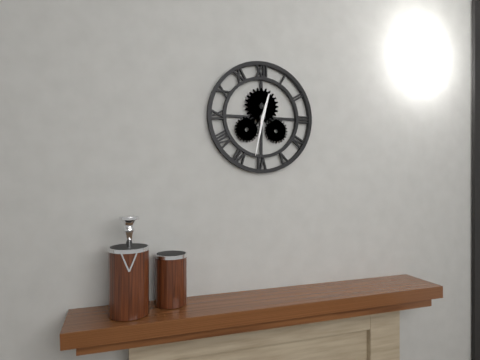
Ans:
12.32
